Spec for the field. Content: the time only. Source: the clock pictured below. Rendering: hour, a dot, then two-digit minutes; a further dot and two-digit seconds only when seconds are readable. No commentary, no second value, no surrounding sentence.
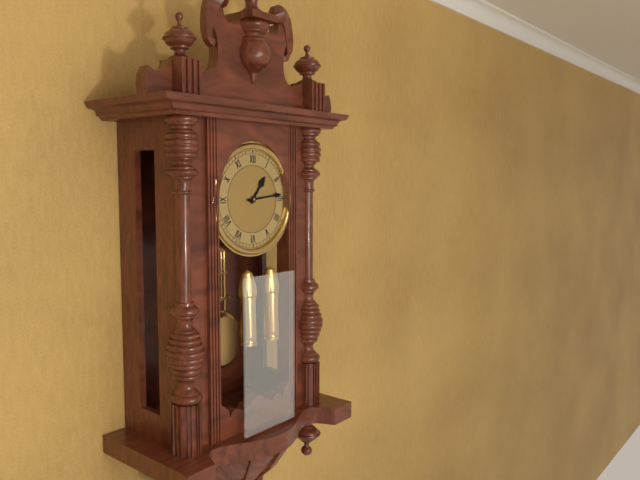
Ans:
1.14
